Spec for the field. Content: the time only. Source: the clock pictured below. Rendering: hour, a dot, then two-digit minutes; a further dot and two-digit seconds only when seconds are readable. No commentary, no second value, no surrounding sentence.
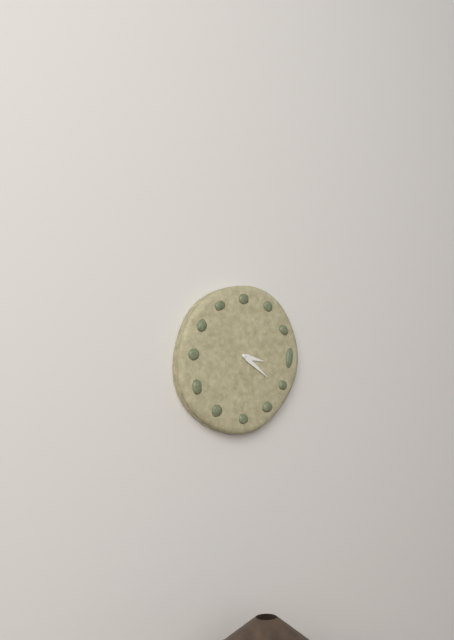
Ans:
3.21
